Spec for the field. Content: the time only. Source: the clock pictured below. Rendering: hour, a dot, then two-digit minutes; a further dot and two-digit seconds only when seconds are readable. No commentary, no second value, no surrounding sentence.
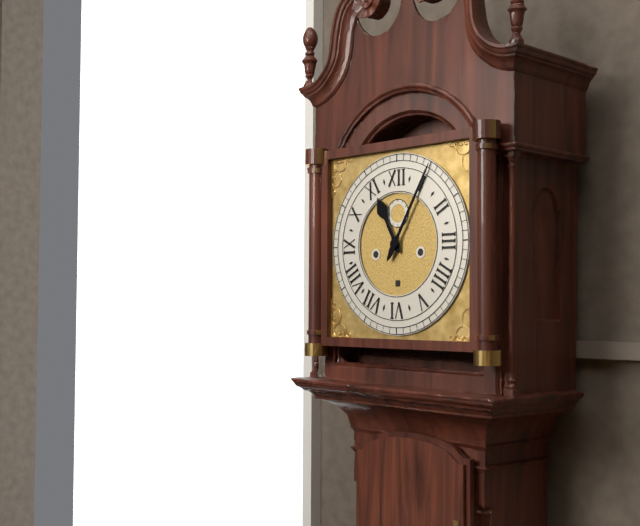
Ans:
11.05
